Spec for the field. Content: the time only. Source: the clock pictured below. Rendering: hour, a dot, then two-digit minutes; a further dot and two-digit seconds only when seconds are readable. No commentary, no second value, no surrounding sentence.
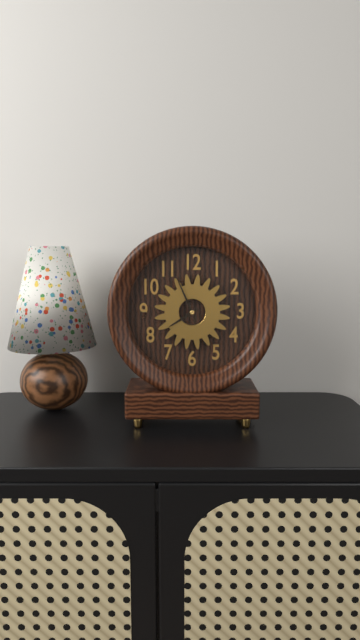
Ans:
7.56
